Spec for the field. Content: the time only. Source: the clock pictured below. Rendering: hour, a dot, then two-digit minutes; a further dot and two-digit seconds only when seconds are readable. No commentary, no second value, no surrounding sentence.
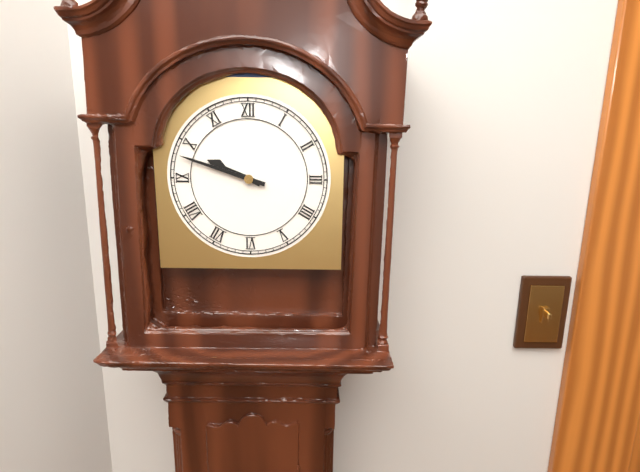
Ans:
9.48
